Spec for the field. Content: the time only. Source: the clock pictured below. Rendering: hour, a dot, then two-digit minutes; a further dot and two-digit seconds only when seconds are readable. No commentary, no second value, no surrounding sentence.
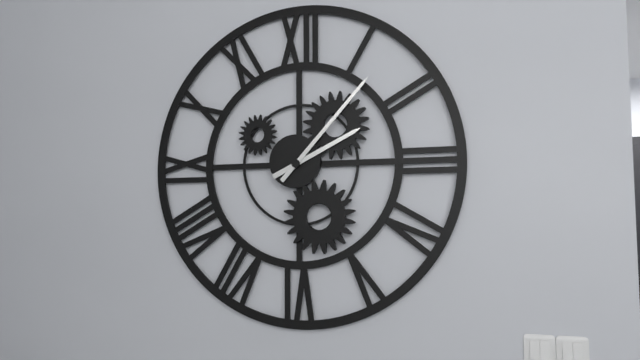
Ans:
2.07
